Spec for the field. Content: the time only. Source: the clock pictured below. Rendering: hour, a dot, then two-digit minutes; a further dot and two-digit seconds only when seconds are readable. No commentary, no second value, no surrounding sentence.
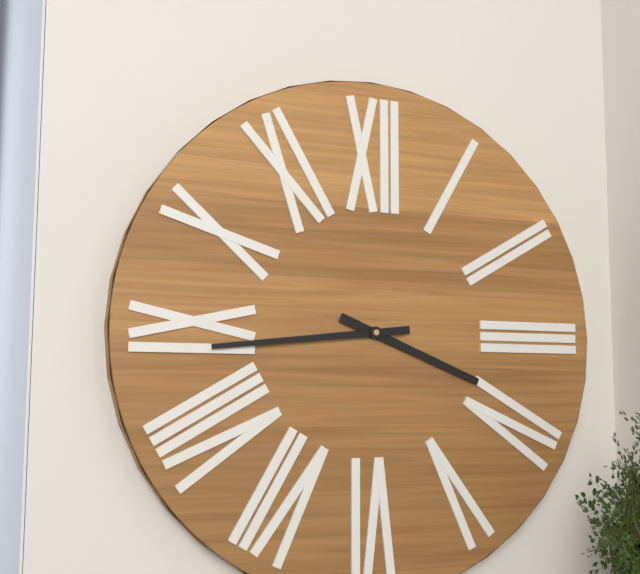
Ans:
3.44
